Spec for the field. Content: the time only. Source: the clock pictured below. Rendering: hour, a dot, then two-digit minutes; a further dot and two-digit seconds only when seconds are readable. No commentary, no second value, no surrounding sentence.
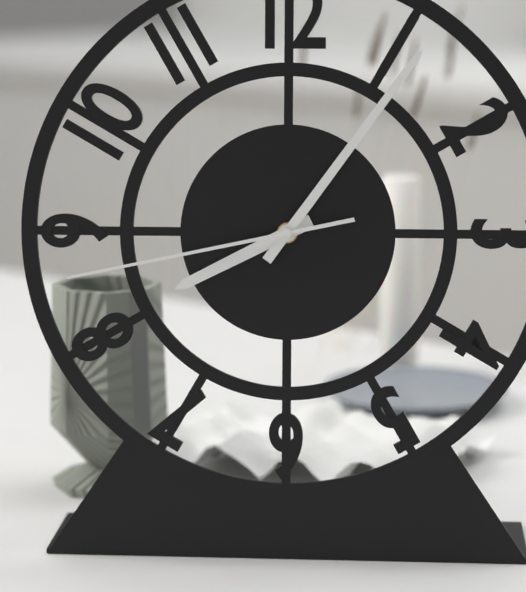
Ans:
8.06.43
